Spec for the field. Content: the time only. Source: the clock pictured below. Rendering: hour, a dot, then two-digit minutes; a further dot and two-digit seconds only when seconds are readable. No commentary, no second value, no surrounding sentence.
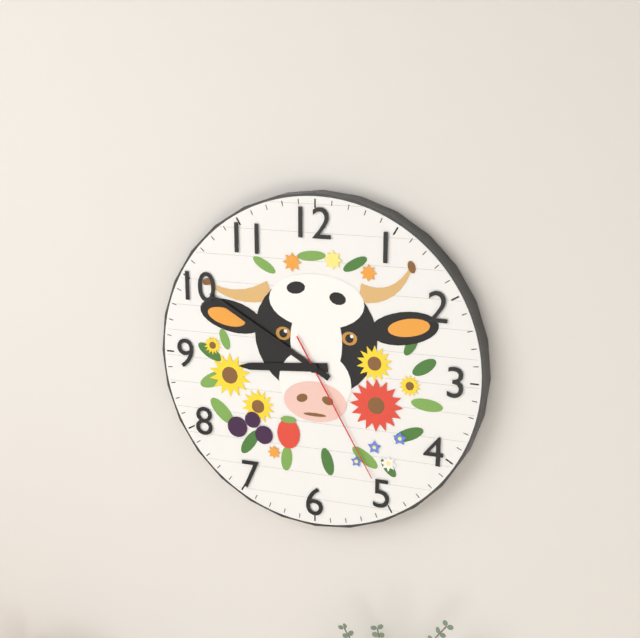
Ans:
8.50.25
